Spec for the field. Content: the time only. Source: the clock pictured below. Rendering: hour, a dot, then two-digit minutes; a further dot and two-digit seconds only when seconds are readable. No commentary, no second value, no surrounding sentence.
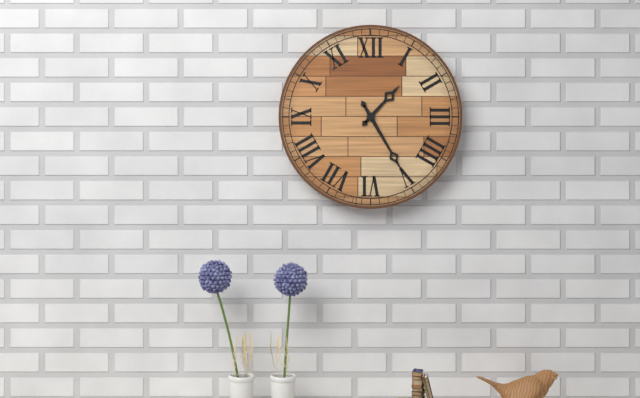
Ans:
1.25
